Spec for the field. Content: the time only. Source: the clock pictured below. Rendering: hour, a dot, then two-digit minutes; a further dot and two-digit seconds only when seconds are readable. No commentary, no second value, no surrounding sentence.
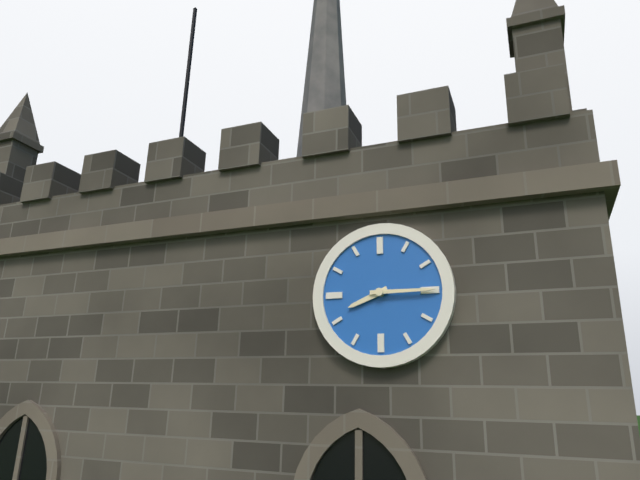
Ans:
8.15
